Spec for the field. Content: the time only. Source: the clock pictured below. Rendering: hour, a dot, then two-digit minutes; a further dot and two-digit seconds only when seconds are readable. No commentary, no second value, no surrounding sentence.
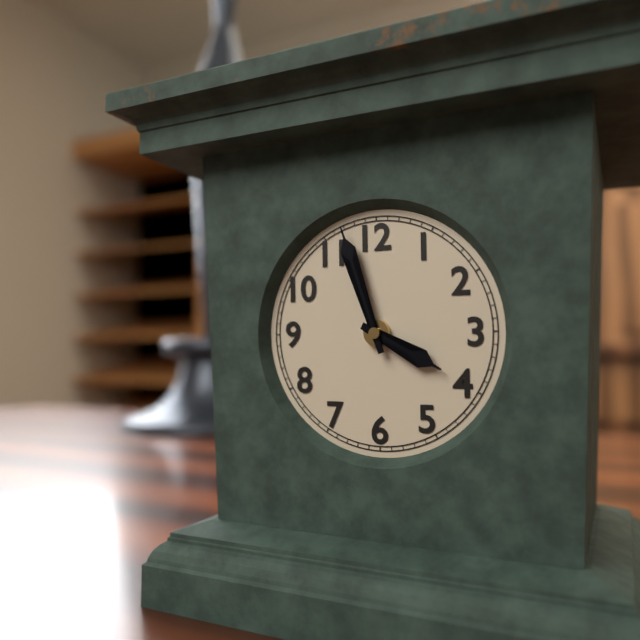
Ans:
3.57
